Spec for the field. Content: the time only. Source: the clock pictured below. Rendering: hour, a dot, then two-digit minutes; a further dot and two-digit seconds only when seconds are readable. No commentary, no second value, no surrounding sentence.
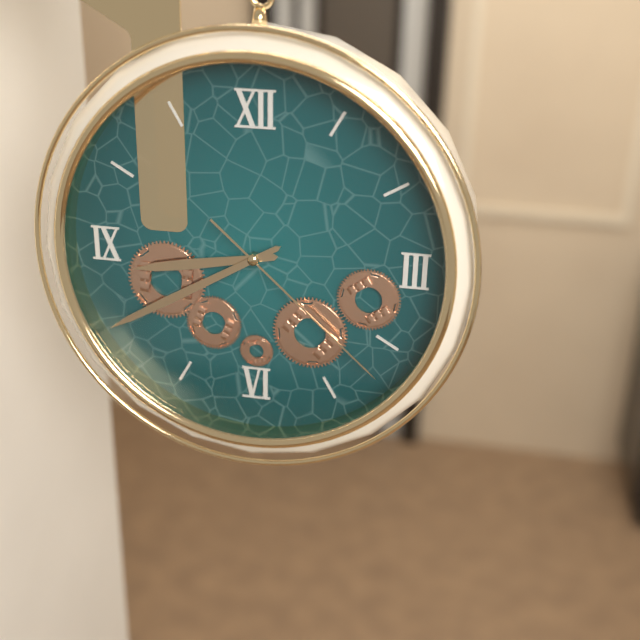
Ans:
8.40.22
